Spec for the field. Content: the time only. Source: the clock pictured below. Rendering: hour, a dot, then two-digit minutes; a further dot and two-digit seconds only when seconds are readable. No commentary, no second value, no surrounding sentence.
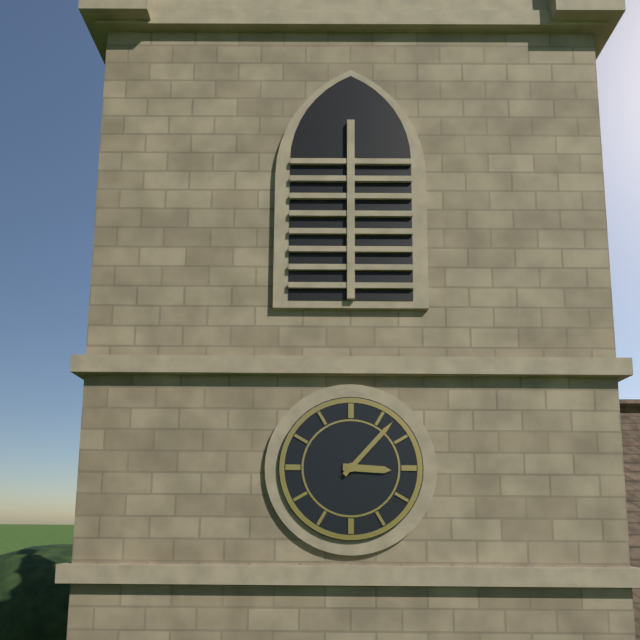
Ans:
3.07
